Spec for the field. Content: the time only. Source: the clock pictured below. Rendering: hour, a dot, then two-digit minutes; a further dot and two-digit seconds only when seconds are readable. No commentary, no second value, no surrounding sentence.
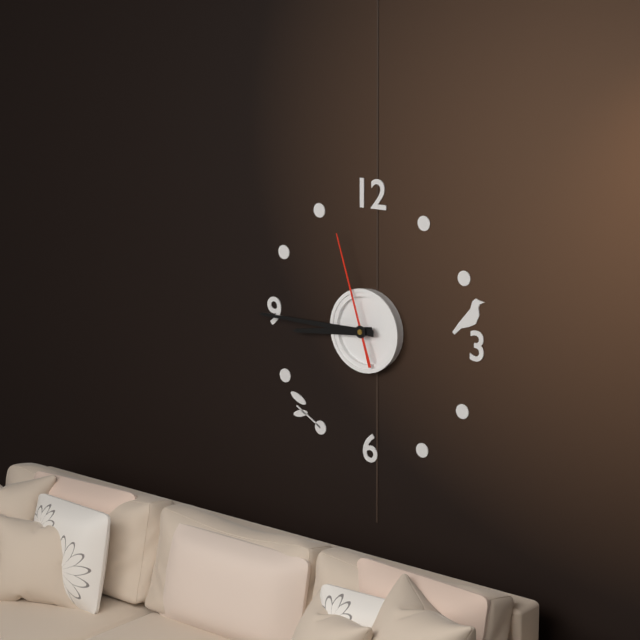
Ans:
8.45.57
